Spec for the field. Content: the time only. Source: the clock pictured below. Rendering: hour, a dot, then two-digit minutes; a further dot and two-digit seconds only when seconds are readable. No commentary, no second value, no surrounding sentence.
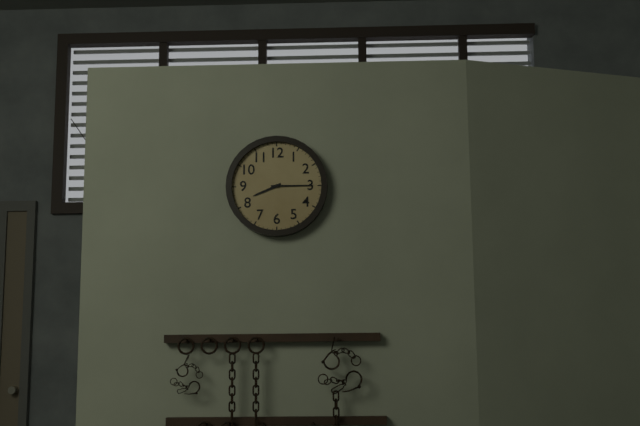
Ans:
8.15
